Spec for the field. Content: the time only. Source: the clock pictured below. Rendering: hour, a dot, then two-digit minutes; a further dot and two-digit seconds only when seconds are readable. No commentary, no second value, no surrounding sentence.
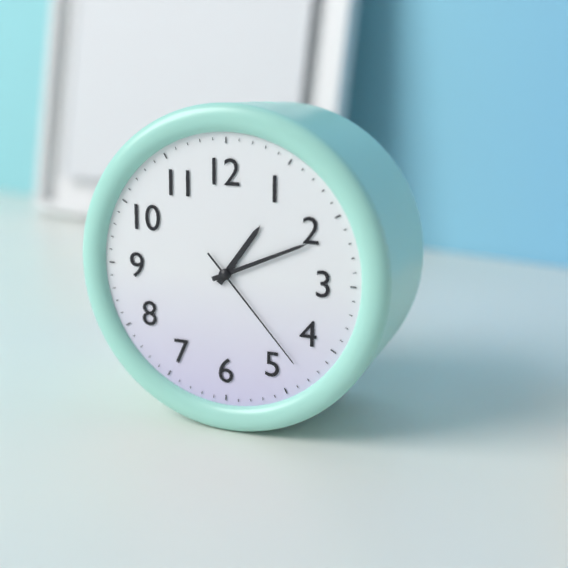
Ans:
1.11.23
